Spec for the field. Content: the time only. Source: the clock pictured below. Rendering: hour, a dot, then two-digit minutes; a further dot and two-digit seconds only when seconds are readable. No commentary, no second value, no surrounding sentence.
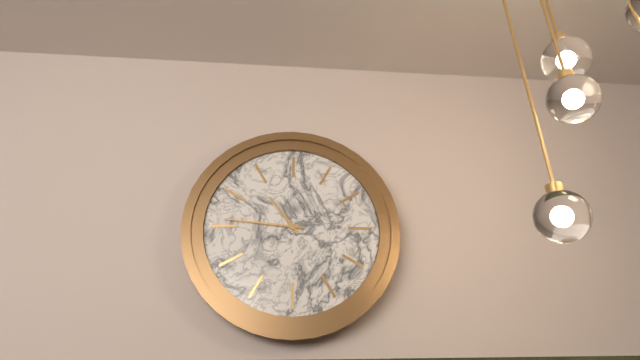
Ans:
10.46
